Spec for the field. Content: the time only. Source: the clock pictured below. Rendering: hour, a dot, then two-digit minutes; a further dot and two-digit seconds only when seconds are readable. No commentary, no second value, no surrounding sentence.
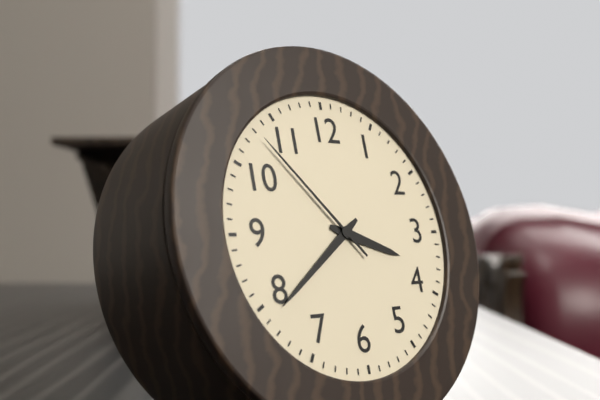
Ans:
3.39.53
